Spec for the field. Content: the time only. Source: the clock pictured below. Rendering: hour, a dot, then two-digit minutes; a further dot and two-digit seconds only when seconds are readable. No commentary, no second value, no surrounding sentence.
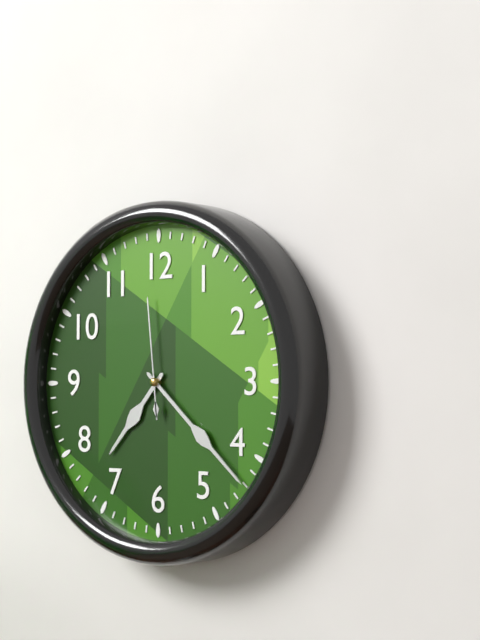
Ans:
7.22.59
